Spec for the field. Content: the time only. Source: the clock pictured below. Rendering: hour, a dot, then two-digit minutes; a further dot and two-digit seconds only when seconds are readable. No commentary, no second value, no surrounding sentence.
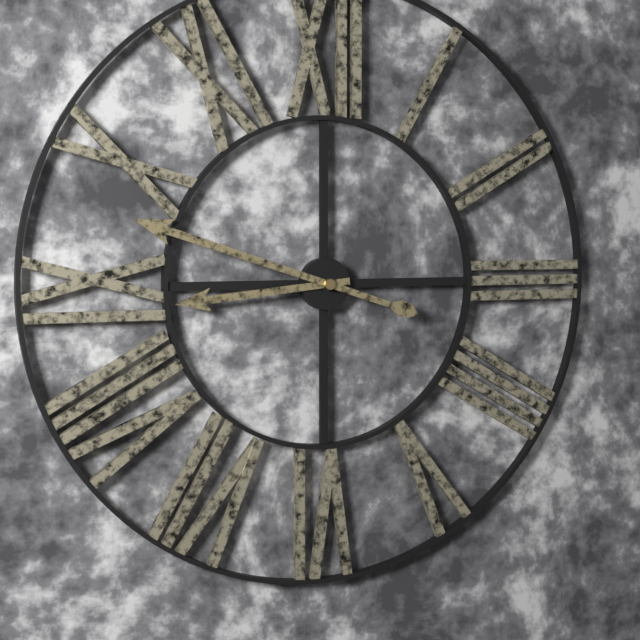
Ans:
8.48
